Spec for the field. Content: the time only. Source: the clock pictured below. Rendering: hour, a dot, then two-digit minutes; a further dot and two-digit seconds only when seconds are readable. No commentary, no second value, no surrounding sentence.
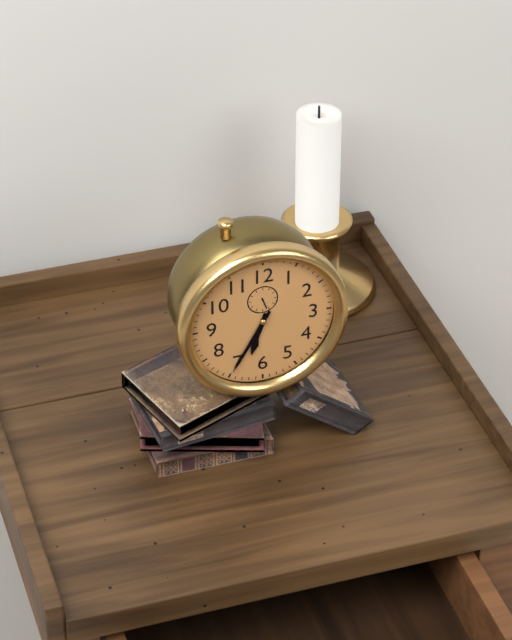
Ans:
6.35
